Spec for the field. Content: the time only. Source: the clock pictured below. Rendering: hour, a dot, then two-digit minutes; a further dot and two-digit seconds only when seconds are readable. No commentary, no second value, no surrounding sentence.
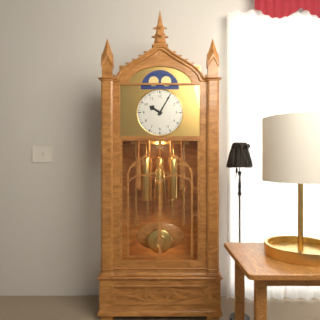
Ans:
10.05
